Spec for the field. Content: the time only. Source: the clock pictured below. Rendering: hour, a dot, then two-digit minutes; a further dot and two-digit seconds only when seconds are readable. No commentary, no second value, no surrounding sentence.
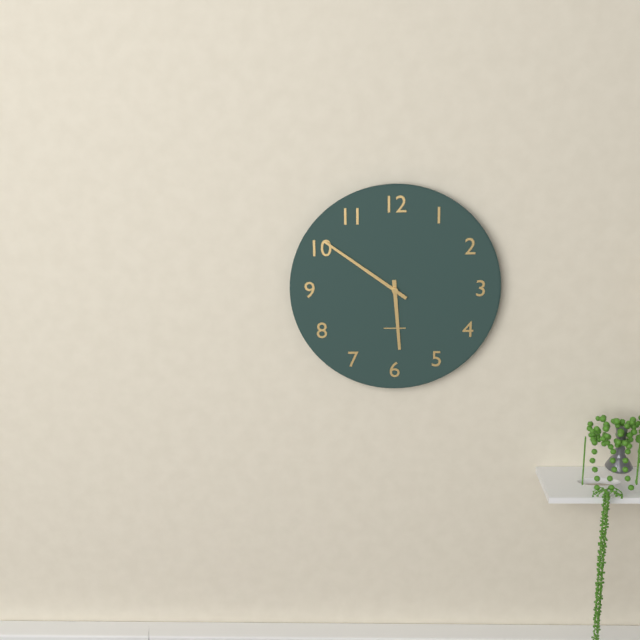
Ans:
5.51
